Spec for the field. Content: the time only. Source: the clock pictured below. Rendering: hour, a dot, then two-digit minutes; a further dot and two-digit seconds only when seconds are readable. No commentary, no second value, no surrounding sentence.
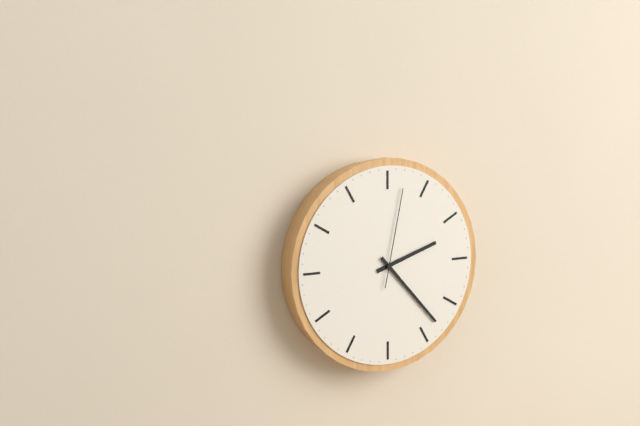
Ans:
2.23.02
